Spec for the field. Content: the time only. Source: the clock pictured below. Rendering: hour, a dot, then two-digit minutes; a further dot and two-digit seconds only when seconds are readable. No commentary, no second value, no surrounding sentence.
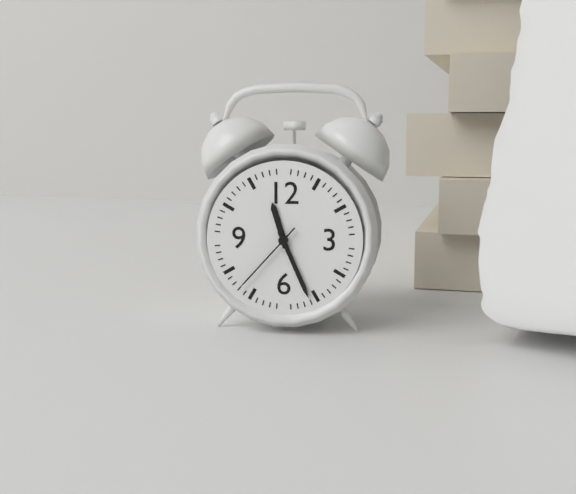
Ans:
11.26.37
